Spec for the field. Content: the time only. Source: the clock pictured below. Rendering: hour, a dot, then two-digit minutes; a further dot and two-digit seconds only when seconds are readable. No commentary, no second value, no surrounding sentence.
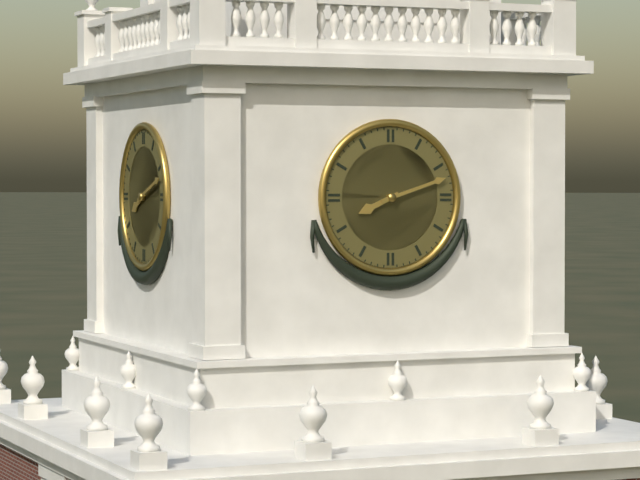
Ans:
8.12
